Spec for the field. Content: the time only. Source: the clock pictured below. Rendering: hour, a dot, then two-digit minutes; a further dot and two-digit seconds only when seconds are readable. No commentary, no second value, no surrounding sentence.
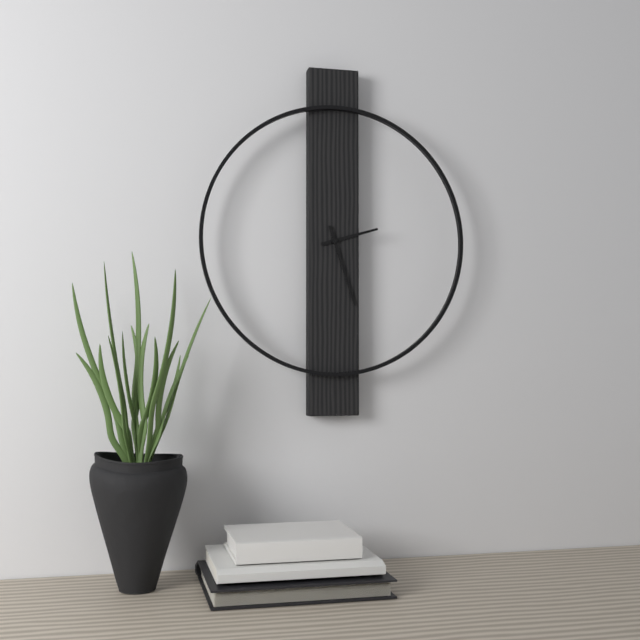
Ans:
2.27
